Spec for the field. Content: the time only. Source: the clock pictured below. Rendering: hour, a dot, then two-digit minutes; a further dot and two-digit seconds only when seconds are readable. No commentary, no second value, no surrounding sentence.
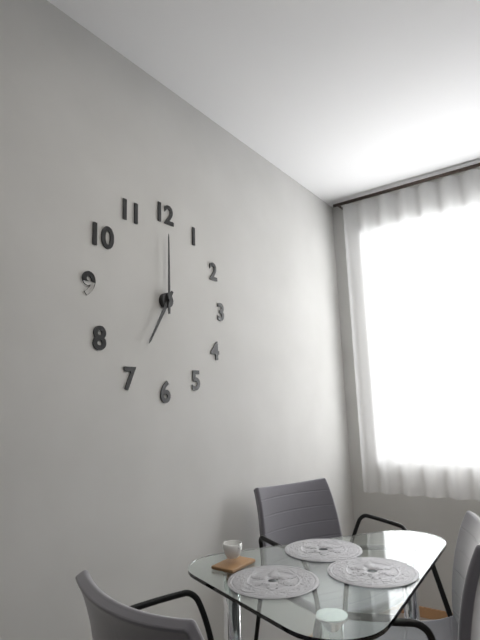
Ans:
7.00
